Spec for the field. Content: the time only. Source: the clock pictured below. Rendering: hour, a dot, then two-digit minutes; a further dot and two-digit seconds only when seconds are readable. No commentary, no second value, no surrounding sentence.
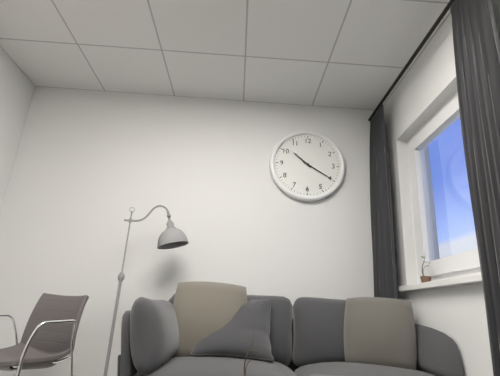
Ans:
10.20
